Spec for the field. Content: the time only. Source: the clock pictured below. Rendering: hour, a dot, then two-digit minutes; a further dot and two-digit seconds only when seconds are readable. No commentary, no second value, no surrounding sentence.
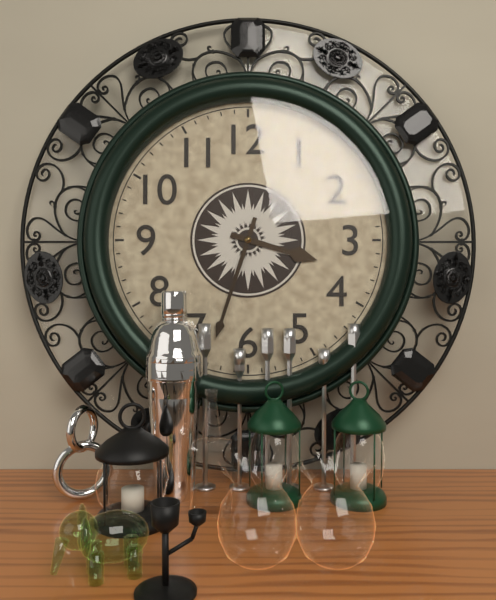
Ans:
3.33
